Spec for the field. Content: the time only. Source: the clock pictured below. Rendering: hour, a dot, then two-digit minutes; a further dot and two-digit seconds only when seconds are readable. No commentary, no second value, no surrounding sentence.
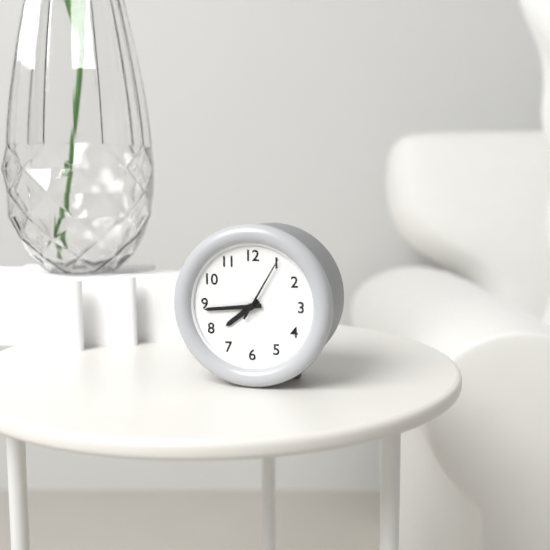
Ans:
7.44.05
